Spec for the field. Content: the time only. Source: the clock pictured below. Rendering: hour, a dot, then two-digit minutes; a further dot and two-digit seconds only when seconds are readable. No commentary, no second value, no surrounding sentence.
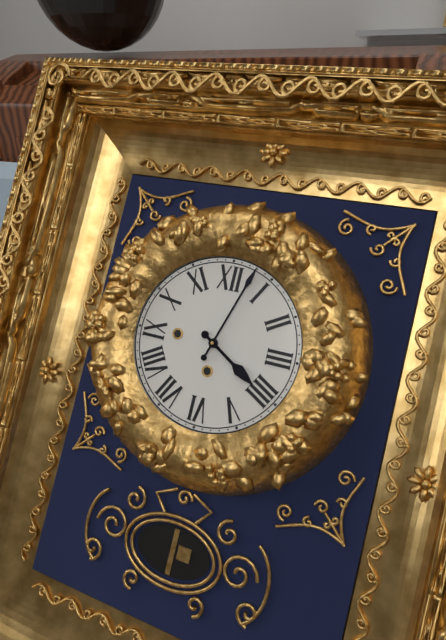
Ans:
4.03
